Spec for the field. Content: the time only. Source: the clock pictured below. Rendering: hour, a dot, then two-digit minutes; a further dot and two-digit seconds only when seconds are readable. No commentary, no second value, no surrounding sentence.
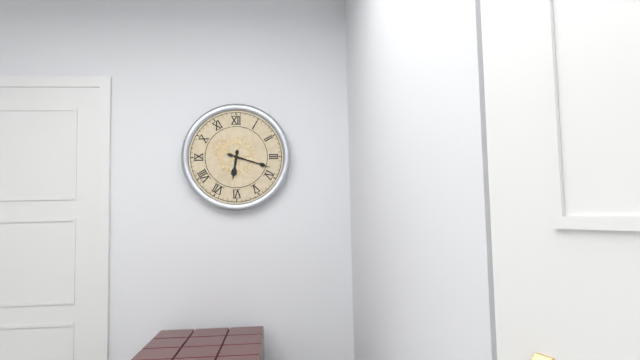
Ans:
6.18
